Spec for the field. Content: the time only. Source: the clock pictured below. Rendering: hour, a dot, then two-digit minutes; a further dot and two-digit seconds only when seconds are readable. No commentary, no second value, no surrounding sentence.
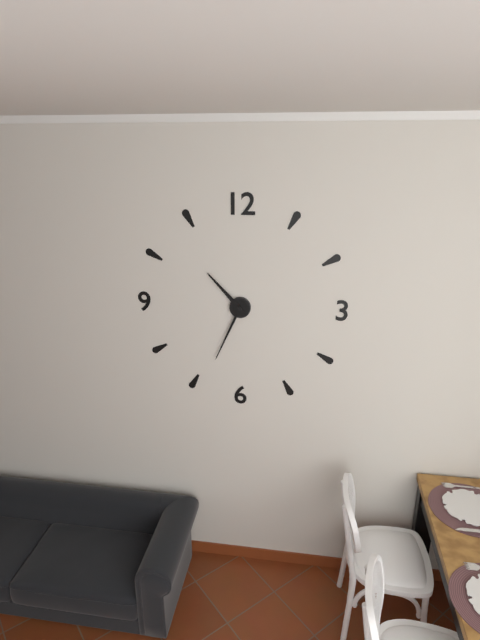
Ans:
10.34
